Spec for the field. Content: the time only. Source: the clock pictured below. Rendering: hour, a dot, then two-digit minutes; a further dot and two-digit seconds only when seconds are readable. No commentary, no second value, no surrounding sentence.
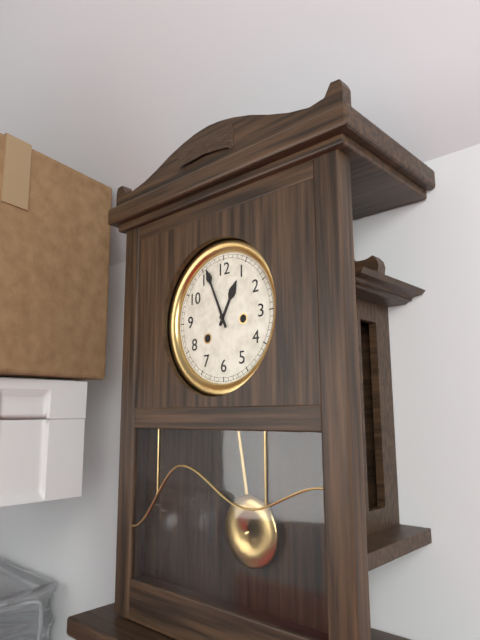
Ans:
12.56
